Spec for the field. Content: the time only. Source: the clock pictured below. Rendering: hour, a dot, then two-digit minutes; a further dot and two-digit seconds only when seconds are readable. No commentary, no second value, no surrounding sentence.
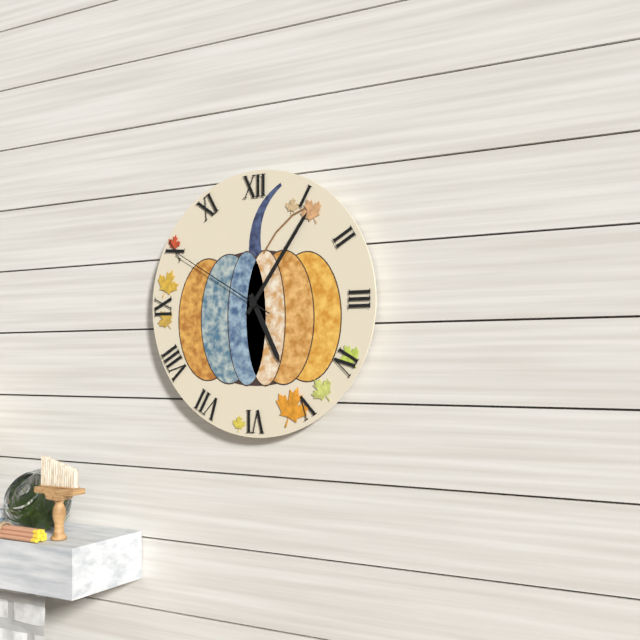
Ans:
5.06.50
